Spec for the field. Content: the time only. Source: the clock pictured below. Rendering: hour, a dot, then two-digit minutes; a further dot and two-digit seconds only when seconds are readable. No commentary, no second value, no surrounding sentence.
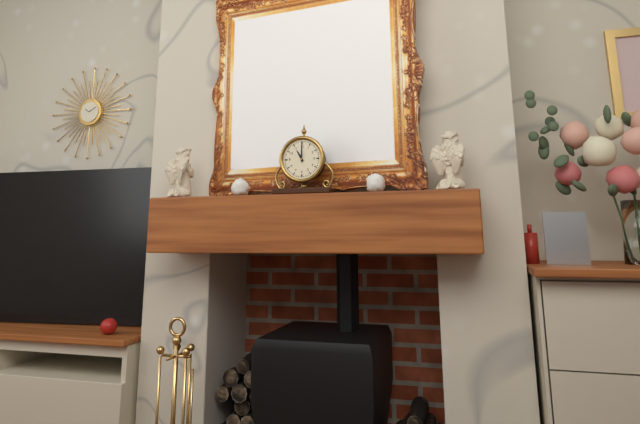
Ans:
11.00
